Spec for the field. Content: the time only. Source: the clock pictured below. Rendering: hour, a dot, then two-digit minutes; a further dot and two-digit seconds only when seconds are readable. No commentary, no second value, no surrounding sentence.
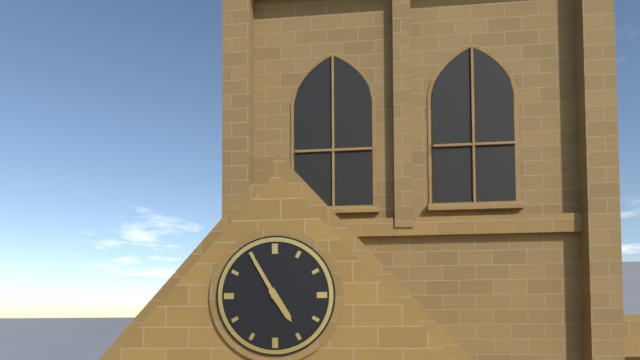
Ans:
4.55
